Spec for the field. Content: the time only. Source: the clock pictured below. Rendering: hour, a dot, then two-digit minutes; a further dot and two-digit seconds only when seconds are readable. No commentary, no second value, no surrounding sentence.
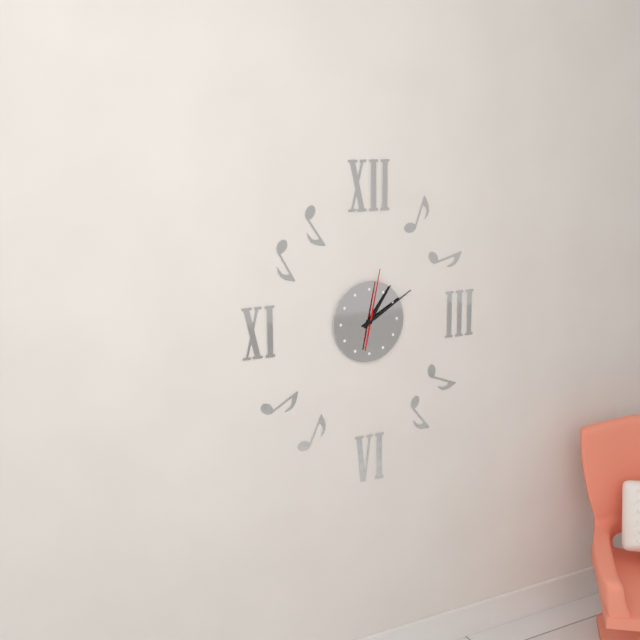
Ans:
1.10.02
